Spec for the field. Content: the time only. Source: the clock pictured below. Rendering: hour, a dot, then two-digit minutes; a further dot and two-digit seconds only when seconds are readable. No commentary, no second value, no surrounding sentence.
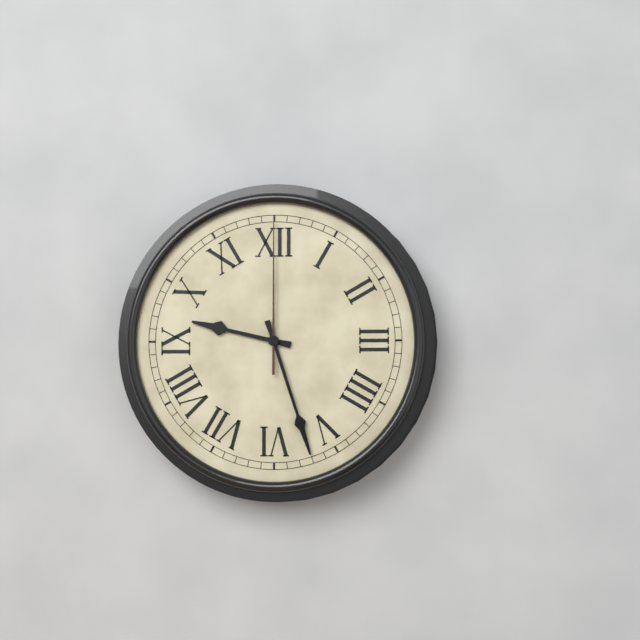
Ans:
9.27.00
